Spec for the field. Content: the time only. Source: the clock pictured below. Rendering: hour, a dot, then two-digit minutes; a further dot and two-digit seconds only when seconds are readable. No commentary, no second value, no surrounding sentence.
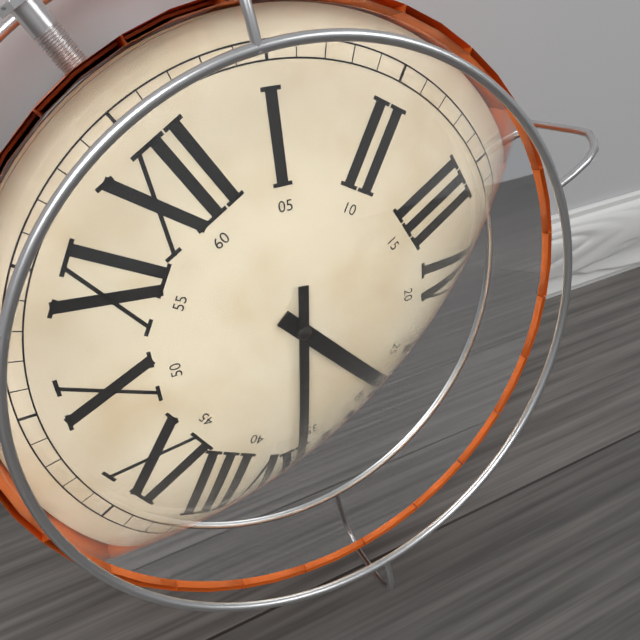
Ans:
5.36
